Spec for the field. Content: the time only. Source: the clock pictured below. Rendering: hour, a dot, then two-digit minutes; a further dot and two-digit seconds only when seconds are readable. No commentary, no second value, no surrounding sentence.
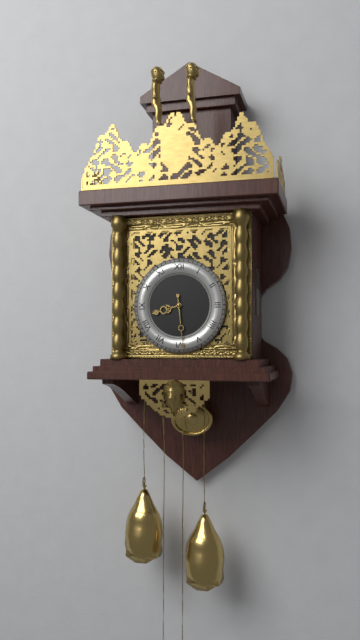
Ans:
8.29
